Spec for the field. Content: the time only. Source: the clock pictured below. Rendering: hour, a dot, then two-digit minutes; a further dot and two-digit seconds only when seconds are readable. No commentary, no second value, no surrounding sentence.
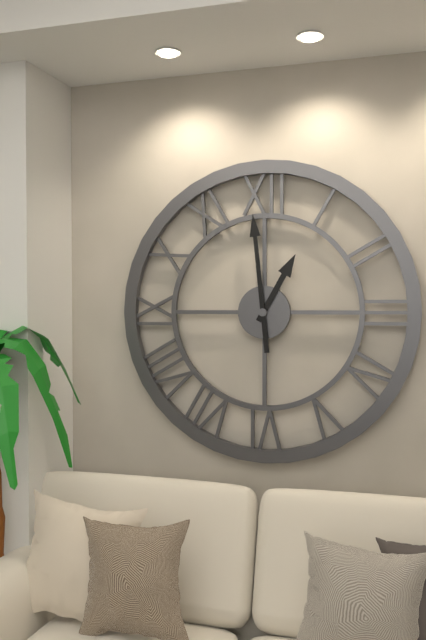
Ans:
12.59
